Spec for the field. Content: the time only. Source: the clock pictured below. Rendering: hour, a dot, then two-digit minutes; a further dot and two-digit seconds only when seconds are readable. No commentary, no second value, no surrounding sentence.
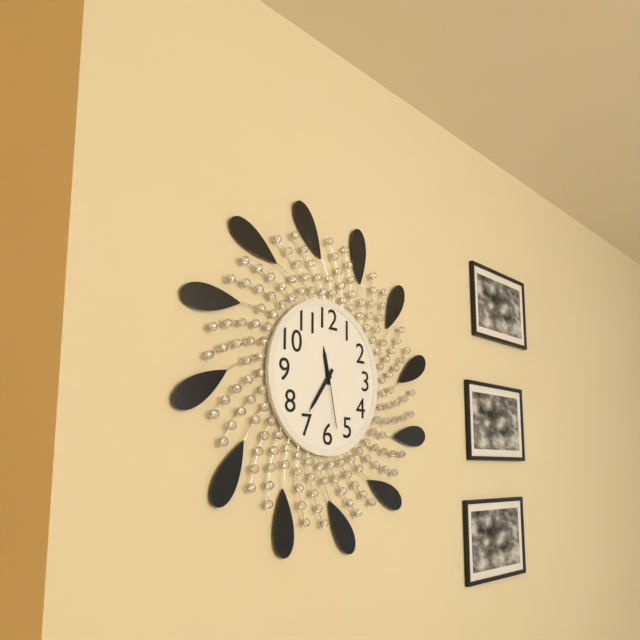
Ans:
11.36.28
